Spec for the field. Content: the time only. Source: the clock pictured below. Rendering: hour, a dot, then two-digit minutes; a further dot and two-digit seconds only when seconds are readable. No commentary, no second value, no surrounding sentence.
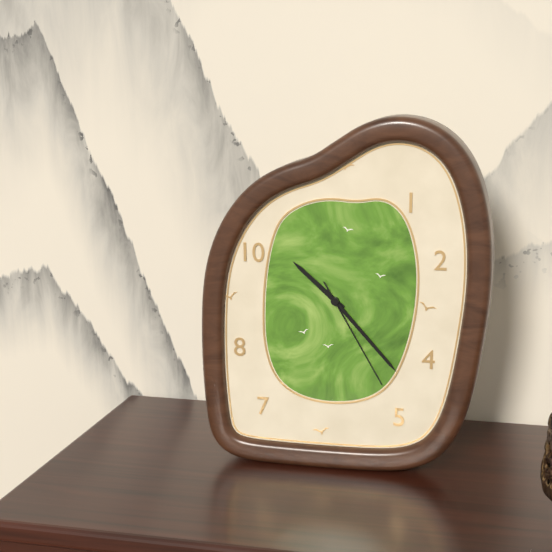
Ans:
10.23.25
